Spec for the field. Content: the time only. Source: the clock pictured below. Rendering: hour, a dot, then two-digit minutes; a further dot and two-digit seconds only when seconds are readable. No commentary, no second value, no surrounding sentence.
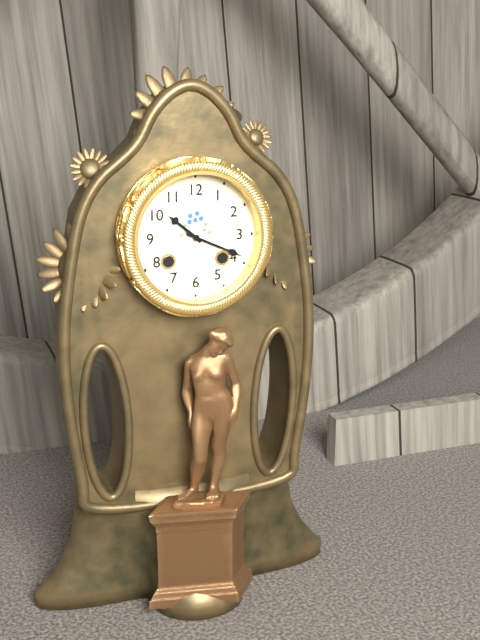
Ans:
10.19
